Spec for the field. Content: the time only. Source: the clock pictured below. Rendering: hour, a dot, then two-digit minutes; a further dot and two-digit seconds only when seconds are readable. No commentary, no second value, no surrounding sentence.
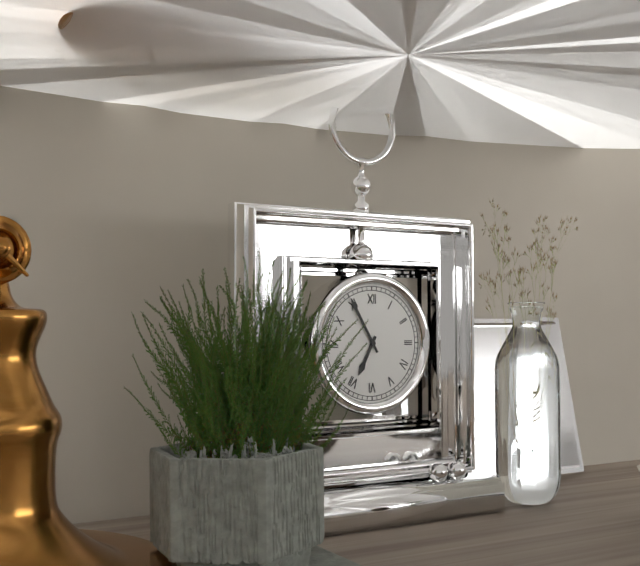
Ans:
6.55
